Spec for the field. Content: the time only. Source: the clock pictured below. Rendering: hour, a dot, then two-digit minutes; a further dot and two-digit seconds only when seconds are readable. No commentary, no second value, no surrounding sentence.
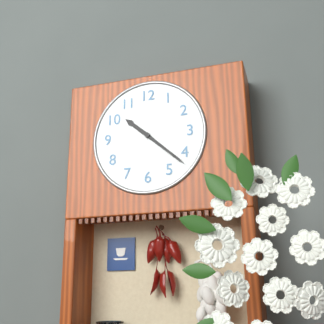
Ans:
10.22
